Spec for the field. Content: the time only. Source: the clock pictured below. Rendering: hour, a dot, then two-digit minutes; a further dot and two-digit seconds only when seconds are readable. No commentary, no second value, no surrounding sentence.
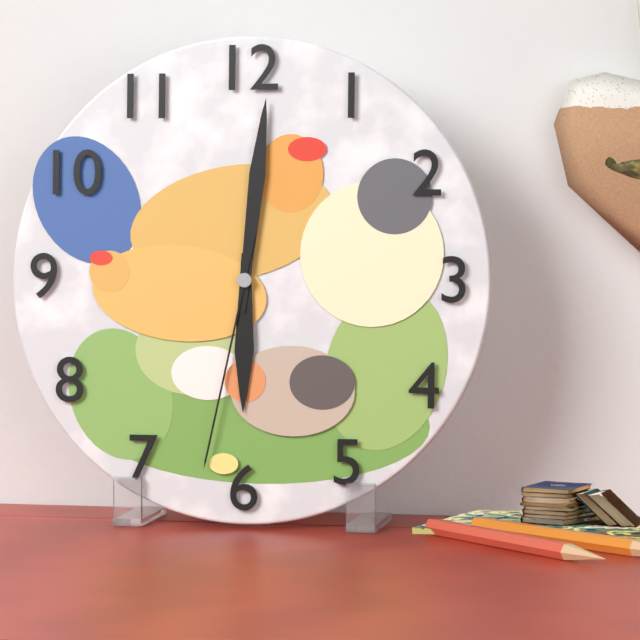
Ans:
6.01.32
